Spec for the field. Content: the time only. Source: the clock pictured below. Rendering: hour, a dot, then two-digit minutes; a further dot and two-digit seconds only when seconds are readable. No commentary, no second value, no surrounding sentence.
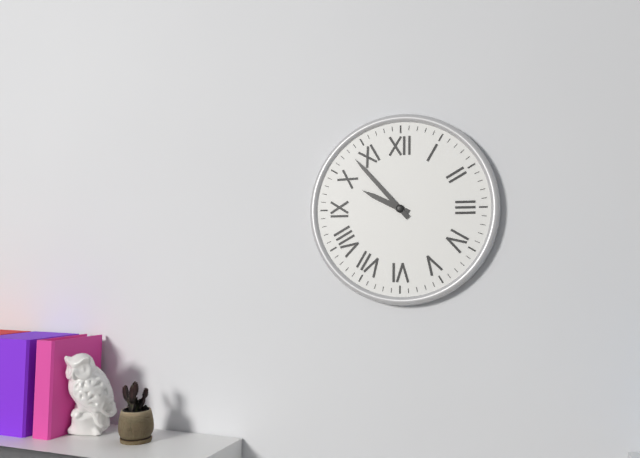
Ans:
9.53
